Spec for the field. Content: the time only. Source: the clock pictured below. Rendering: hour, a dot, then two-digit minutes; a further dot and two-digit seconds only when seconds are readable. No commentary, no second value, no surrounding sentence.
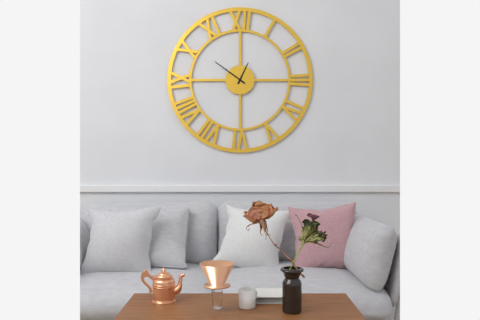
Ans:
12.51
